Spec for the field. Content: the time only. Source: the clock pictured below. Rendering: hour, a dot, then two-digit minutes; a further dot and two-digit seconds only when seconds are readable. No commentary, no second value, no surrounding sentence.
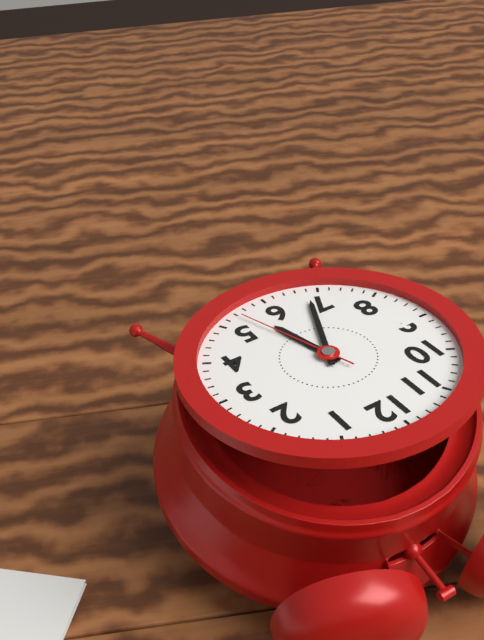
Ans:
5.34.27
